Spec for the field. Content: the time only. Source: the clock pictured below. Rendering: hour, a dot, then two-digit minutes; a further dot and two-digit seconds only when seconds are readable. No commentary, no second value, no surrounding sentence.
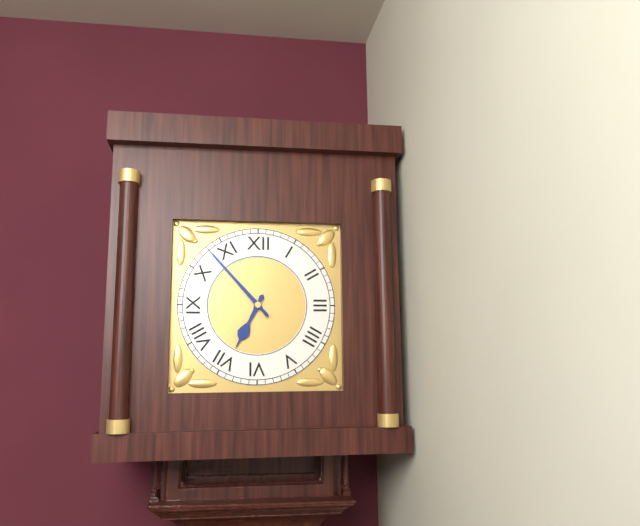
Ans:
6.53
